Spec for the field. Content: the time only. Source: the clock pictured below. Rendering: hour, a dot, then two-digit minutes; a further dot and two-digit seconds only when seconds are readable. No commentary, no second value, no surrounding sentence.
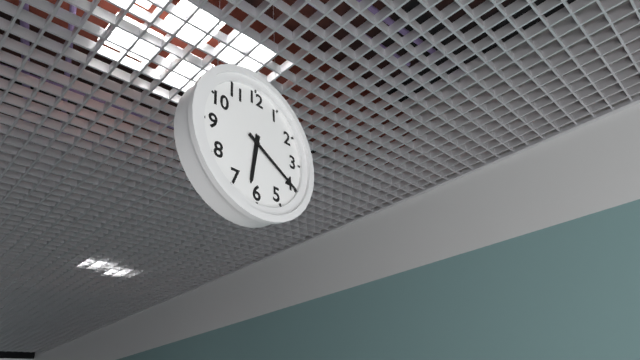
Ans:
6.20
